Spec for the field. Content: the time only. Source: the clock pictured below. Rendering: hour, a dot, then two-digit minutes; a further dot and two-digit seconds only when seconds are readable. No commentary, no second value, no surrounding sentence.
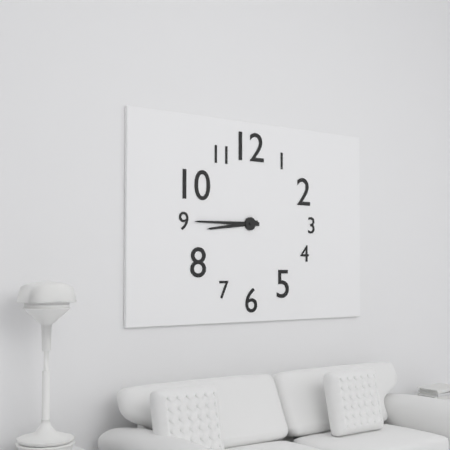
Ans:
8.45
